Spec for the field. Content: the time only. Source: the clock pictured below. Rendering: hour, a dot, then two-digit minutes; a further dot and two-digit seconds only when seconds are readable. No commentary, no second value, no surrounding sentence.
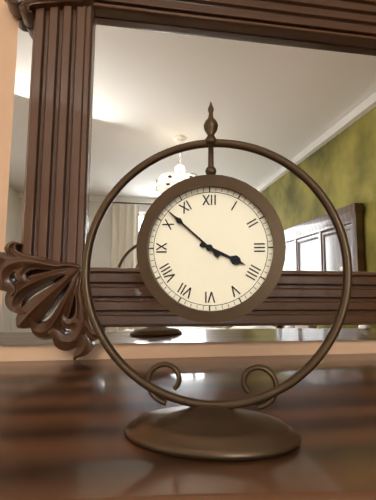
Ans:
3.52
